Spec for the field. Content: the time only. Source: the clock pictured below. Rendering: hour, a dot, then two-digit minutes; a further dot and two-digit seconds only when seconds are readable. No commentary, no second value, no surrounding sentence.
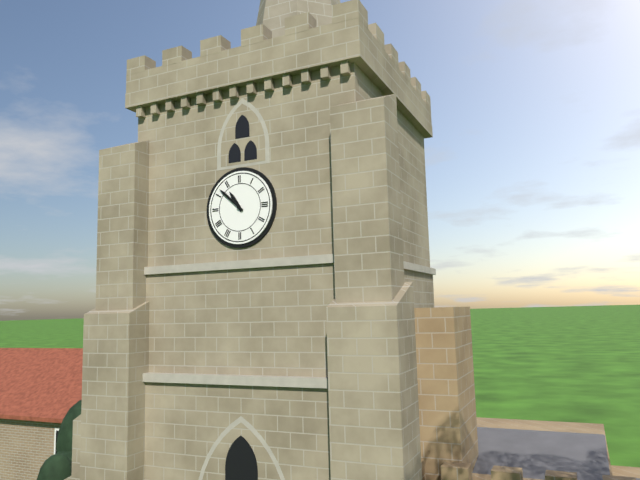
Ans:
10.52
